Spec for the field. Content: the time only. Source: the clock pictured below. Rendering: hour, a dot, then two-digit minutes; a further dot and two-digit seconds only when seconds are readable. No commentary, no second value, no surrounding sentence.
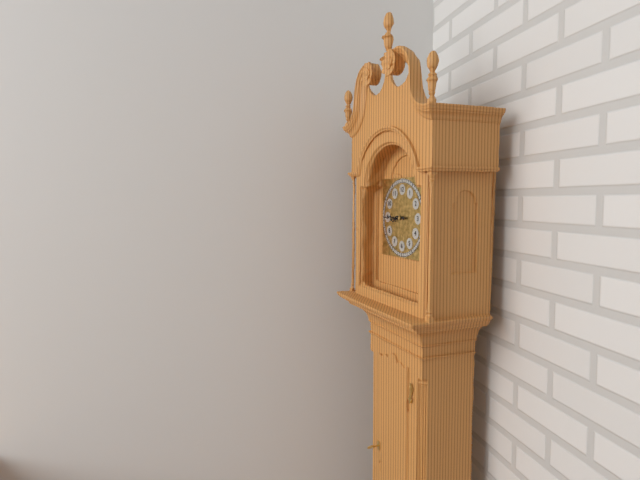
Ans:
8.45
